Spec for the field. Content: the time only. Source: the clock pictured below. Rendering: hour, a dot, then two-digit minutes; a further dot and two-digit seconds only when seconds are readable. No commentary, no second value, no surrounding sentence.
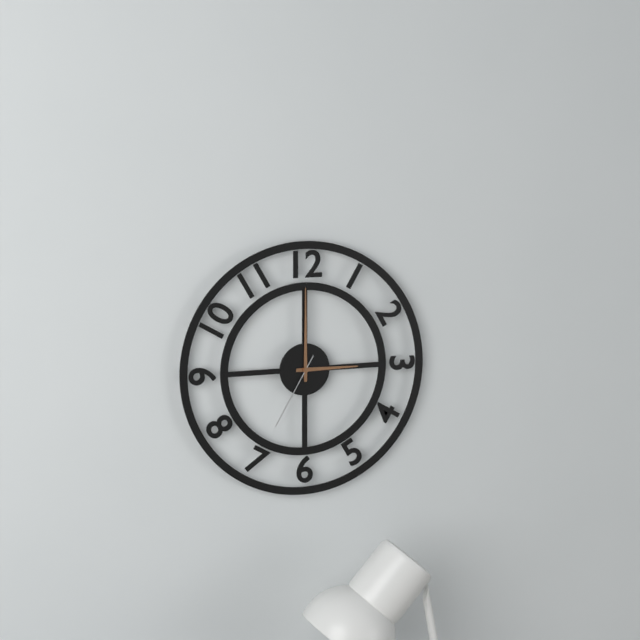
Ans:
3.00.35
